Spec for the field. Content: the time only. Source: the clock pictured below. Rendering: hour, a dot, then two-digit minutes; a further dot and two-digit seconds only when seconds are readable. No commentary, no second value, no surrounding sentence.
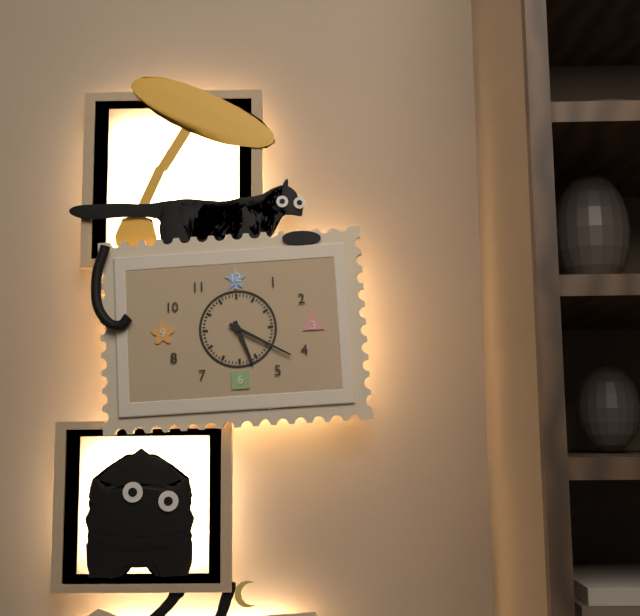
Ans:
5.20
